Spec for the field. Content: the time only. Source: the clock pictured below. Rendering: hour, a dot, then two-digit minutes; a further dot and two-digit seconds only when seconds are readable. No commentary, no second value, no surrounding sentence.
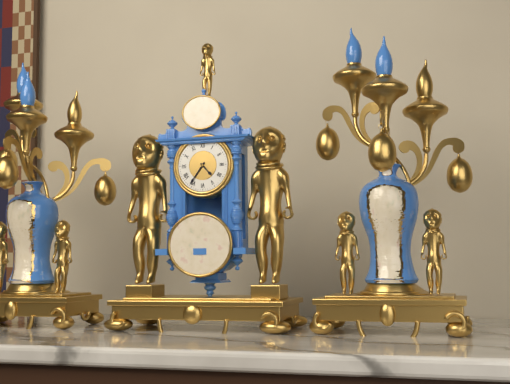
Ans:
4.36
